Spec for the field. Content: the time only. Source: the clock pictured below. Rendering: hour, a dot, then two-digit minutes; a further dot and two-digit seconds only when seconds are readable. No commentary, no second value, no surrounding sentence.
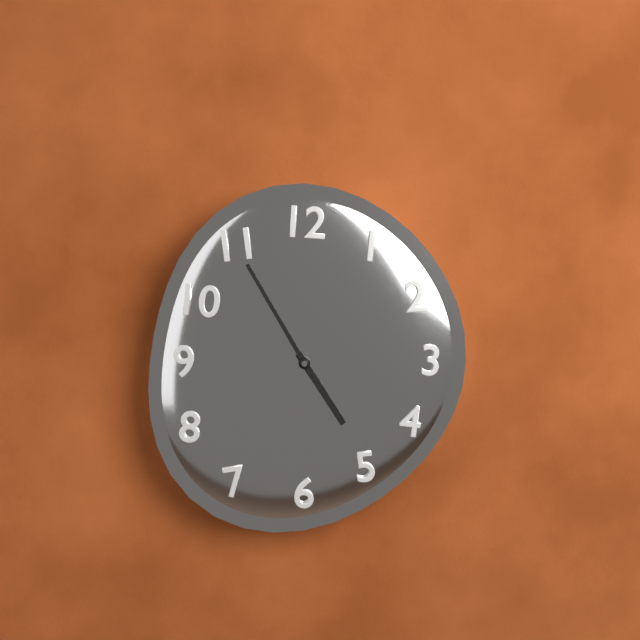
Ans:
4.55
